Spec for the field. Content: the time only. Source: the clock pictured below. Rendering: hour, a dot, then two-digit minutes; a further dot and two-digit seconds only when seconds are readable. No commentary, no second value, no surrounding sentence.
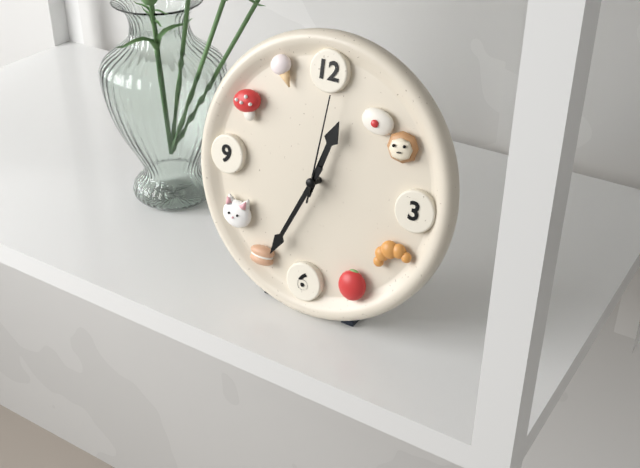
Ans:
12.34.01
